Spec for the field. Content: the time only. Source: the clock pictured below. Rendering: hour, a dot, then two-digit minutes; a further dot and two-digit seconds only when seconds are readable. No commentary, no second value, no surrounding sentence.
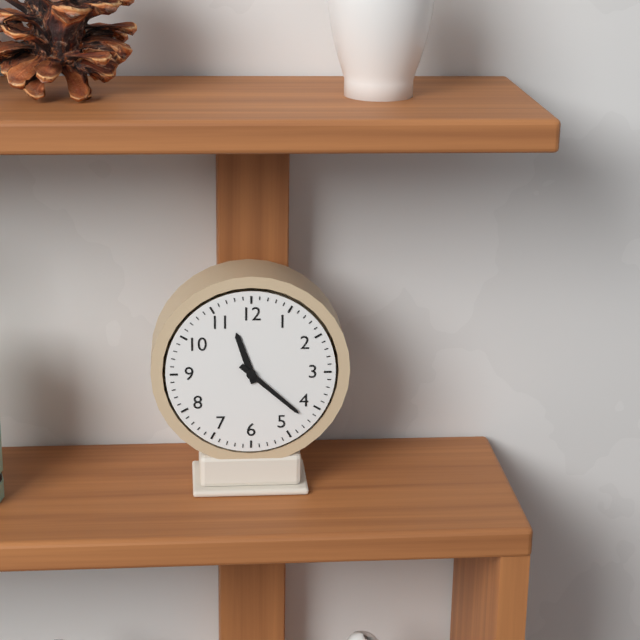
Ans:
11.22
